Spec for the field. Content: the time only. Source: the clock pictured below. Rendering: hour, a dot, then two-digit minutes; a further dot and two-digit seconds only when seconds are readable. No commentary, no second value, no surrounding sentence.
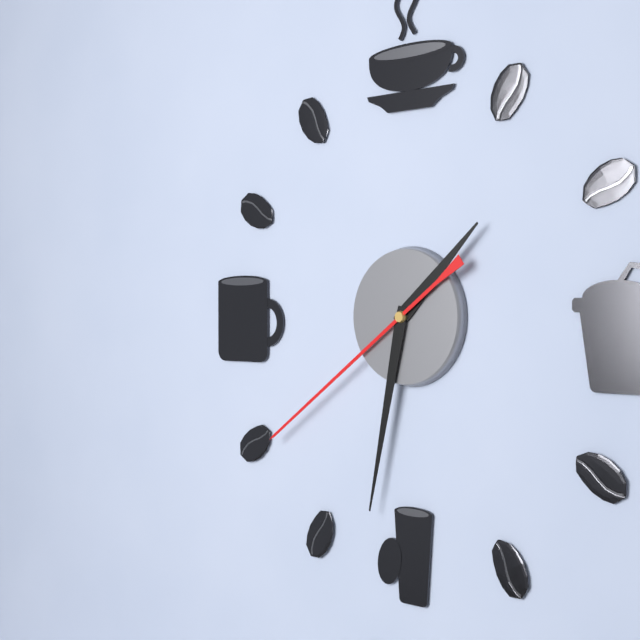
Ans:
1.32.39
